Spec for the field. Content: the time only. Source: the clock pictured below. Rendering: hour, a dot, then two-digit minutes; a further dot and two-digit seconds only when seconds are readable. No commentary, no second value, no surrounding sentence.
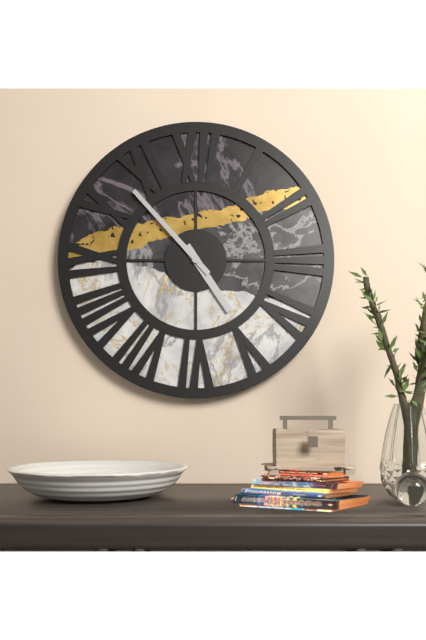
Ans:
4.53
